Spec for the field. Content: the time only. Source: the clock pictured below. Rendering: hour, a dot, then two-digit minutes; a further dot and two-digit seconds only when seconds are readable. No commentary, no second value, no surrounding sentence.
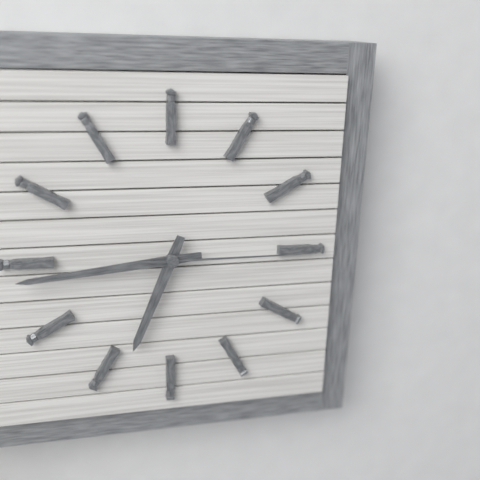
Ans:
6.44.15
